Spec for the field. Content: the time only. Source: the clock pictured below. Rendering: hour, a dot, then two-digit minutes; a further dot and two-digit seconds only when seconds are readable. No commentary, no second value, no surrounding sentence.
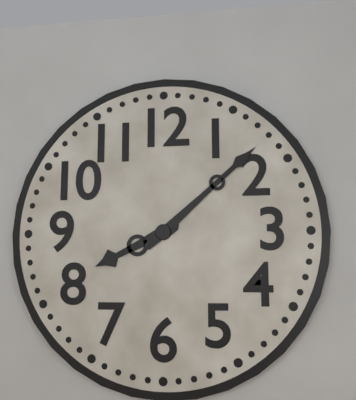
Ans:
8.08
